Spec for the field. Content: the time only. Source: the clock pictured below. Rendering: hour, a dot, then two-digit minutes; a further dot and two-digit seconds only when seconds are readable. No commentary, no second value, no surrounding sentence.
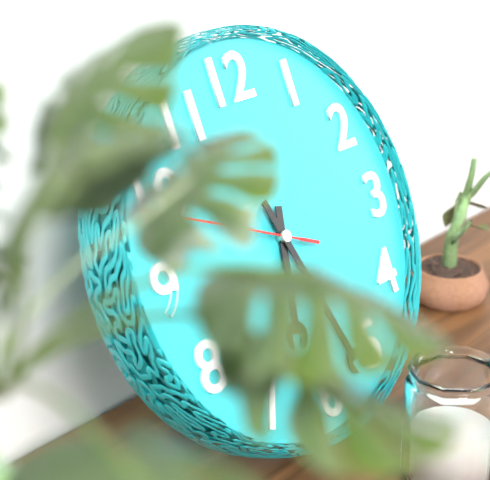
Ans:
6.27.49
